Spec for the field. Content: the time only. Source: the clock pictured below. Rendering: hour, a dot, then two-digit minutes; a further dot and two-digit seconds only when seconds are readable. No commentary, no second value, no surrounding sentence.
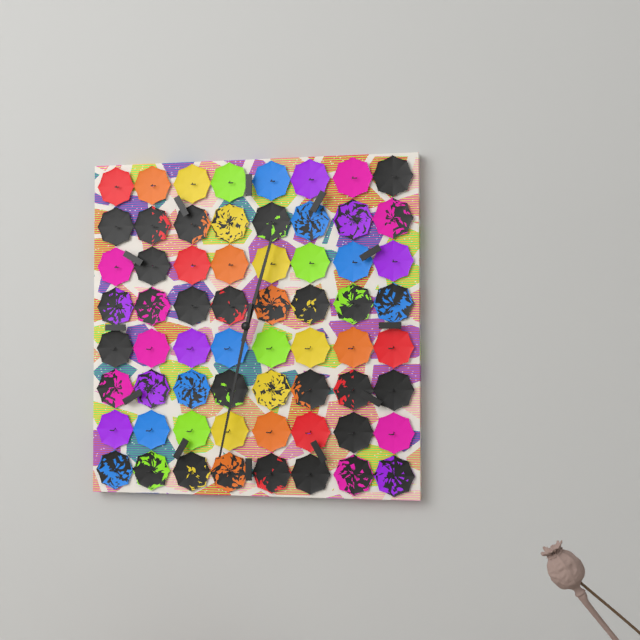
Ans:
12.32
